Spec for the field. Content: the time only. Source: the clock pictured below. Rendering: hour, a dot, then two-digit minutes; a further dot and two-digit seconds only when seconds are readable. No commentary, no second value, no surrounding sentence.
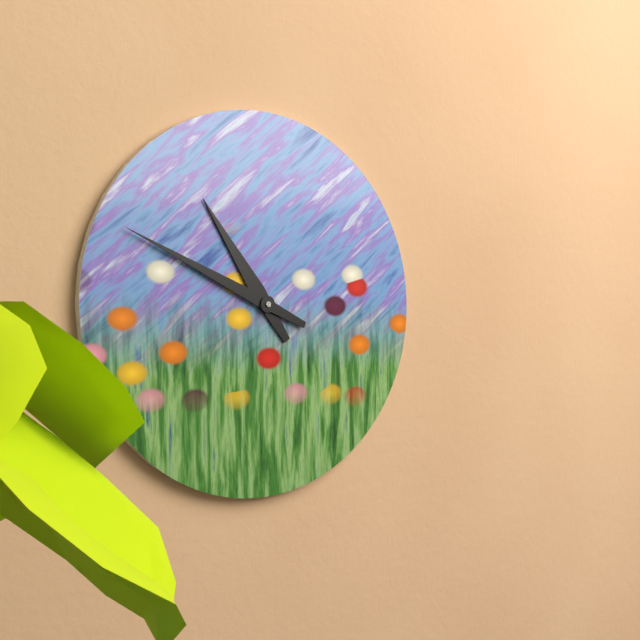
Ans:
10.49
